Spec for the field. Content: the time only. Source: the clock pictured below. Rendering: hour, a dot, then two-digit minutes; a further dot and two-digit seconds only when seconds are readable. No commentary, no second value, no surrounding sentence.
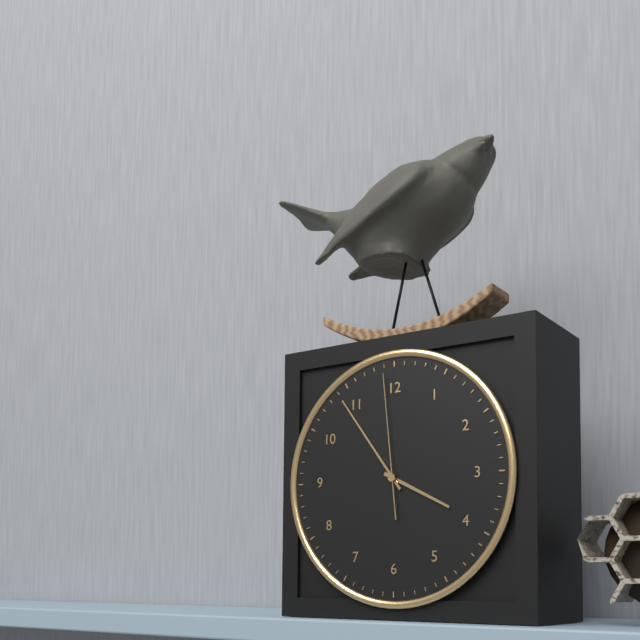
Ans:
3.54.59
